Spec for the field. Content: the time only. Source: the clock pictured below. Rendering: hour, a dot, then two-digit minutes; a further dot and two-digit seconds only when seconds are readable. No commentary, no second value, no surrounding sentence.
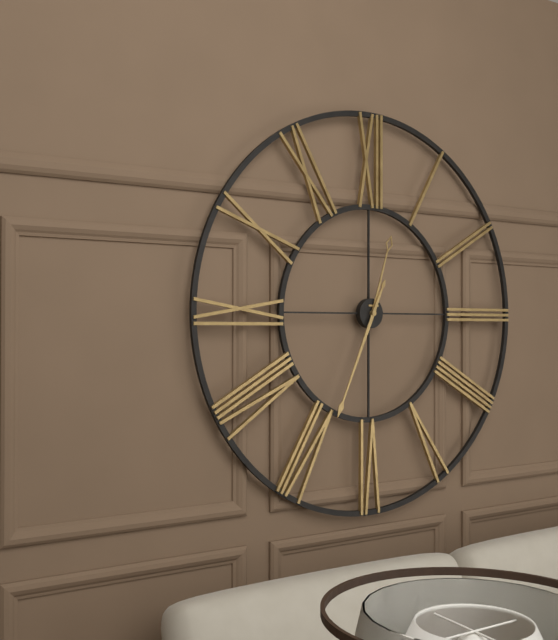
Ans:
12.34
